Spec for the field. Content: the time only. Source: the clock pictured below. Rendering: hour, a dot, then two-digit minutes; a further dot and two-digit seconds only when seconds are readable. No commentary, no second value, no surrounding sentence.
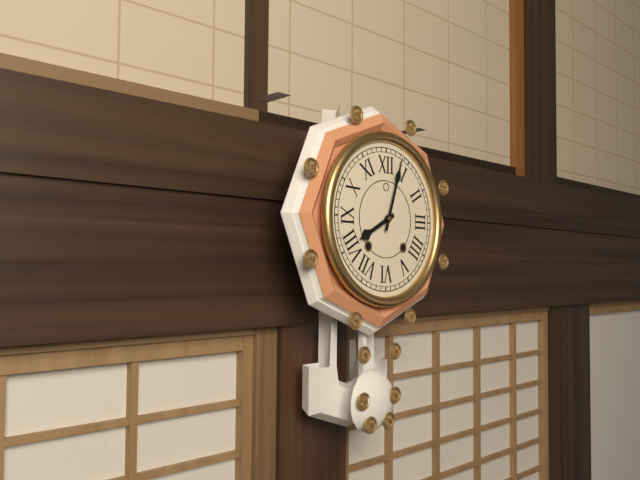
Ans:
8.03
